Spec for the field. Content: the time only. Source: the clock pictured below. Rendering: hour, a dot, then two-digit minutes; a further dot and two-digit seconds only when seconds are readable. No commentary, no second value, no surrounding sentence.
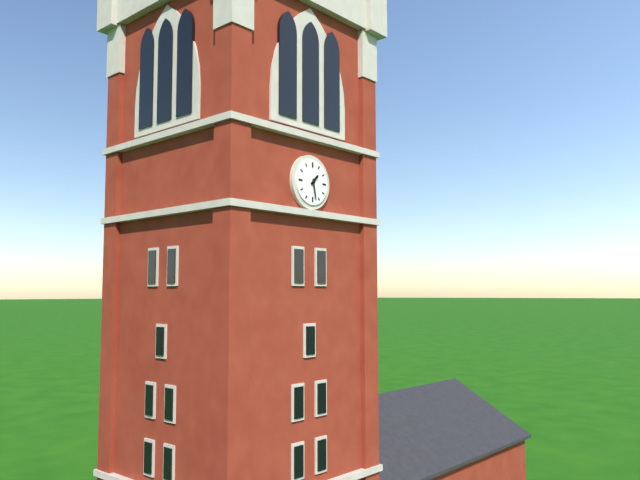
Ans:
1.28
